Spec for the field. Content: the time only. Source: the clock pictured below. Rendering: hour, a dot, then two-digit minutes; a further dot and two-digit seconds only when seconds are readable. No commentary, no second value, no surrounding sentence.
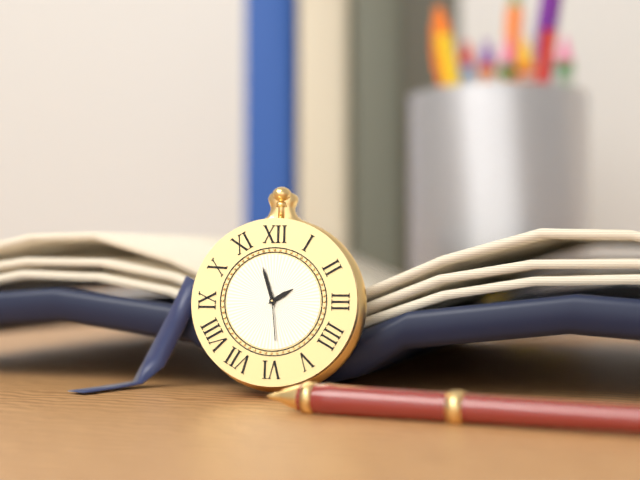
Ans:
1.57
